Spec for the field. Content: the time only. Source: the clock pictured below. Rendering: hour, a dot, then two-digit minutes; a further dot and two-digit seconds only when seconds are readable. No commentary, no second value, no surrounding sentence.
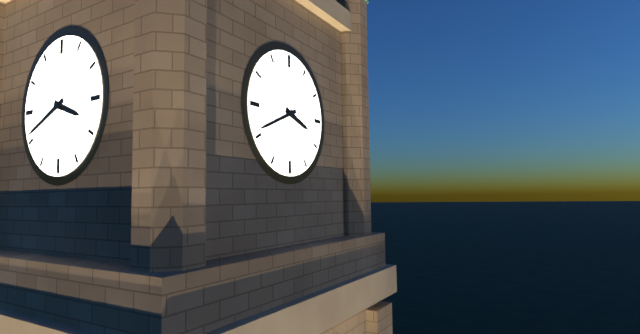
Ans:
3.41
